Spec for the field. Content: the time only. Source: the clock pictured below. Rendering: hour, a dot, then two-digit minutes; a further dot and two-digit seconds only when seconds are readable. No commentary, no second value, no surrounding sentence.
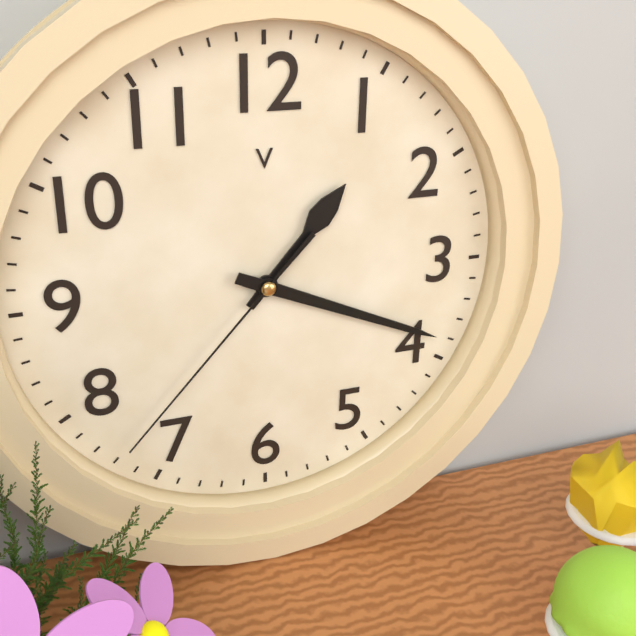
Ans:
1.19.37
